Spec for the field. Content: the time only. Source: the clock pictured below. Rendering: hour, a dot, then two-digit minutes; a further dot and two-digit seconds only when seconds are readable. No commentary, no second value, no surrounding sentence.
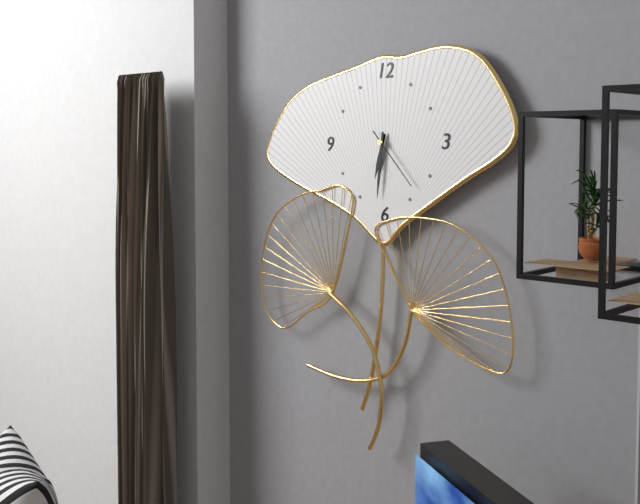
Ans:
6.31.23
